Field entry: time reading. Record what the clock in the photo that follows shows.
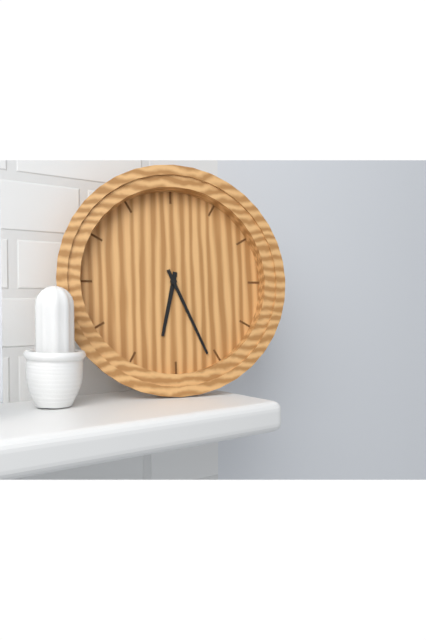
6:26
